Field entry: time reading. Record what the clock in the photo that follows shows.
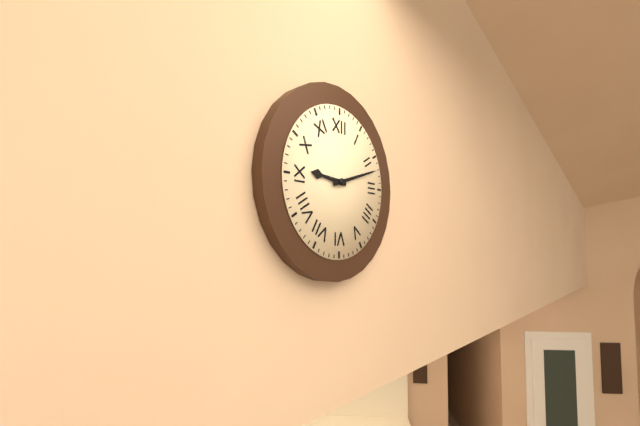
9:12
